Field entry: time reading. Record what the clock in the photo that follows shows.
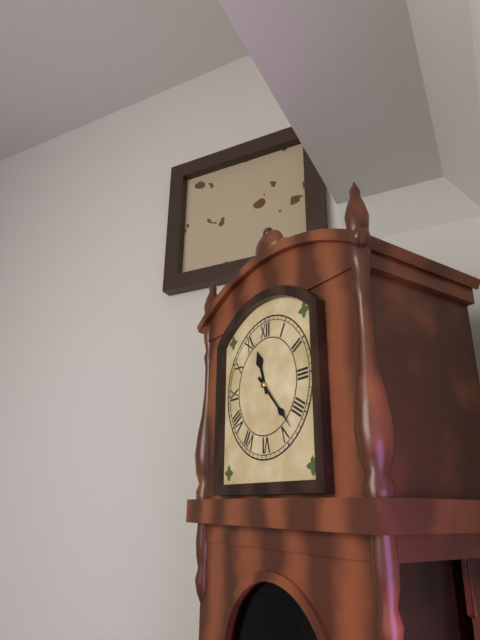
11:23
